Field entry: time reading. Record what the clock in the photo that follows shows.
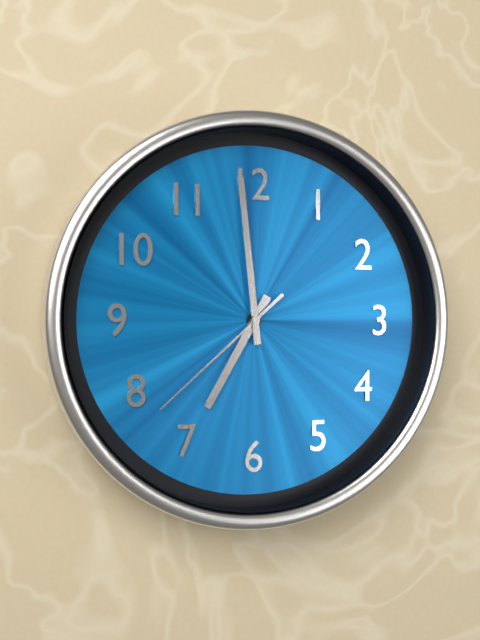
6:59:38
